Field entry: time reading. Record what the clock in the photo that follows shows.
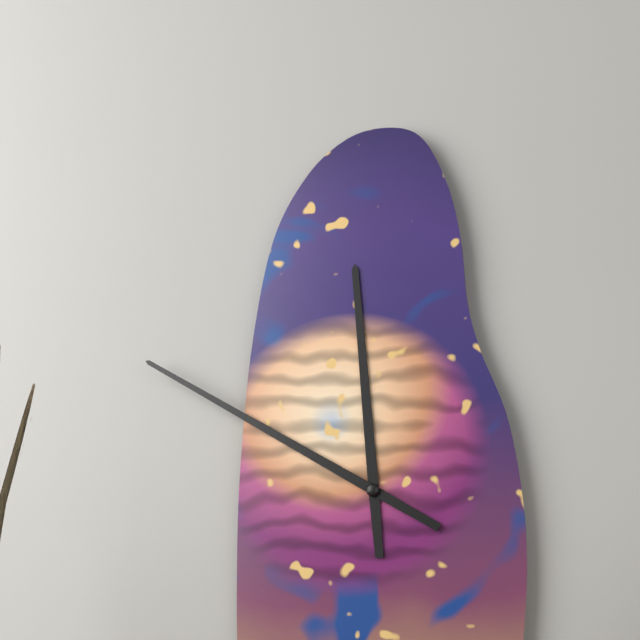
11:50
